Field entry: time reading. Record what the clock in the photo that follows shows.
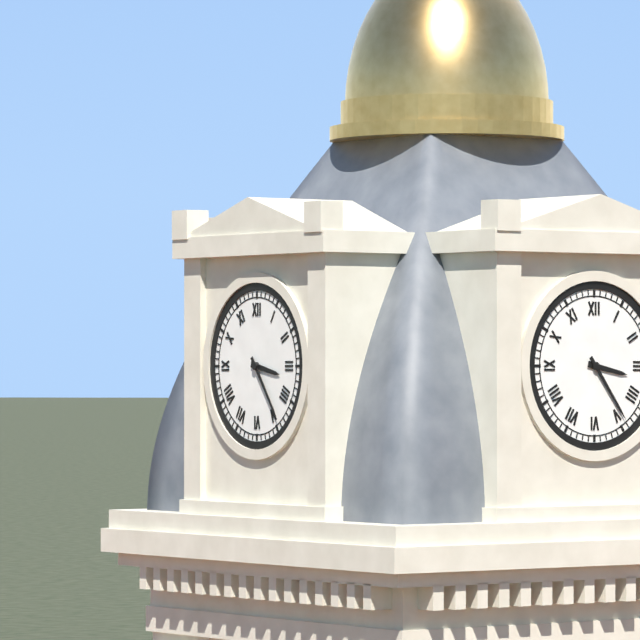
3:24
